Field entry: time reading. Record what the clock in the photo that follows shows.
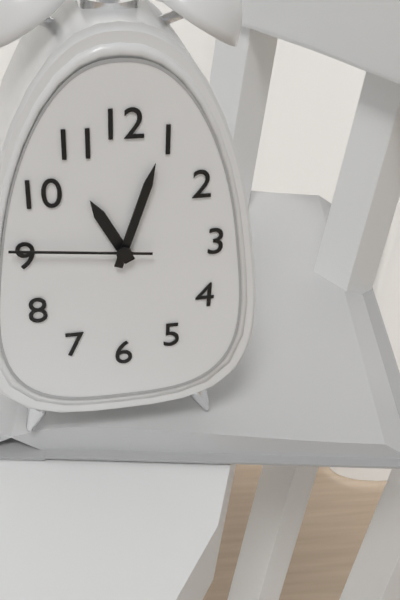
11:03:46
